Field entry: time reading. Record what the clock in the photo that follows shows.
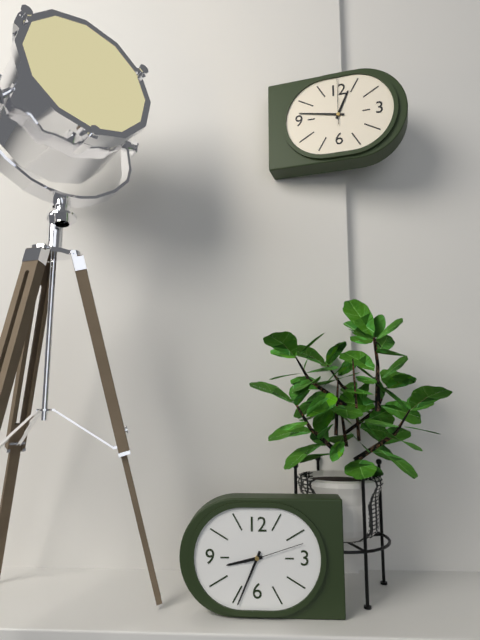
8:34:12
